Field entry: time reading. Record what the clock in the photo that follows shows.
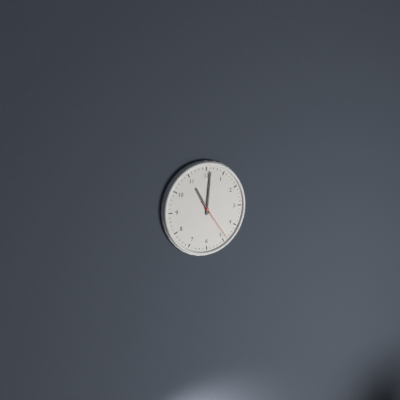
11:01
